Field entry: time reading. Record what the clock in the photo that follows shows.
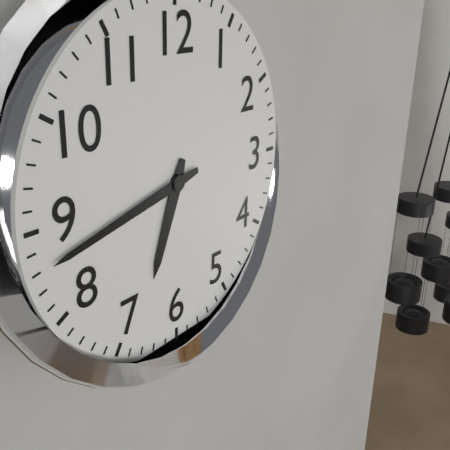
6:43
